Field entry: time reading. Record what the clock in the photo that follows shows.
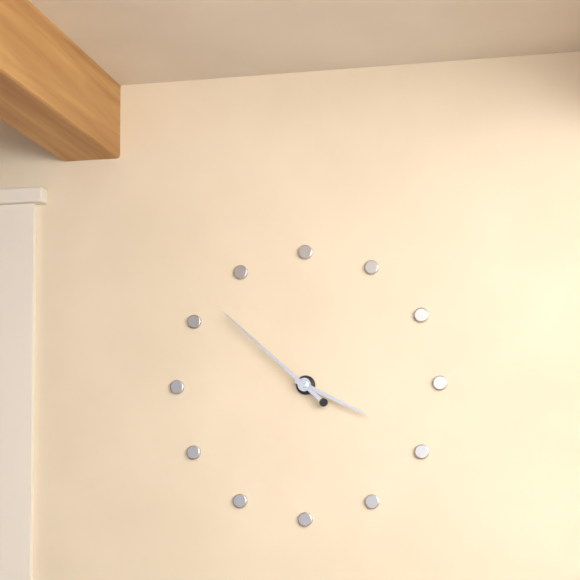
3:52
